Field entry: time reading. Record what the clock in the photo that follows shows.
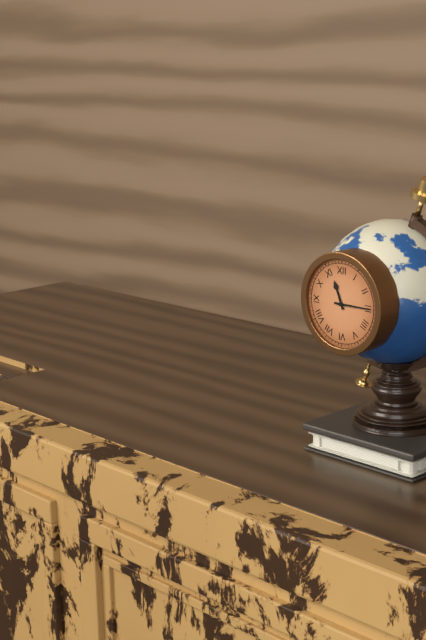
11:15
